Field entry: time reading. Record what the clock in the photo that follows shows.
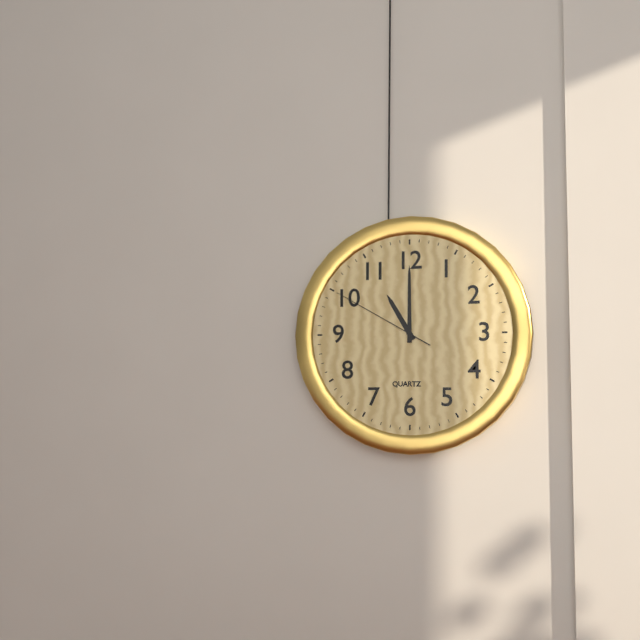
11:00:50
